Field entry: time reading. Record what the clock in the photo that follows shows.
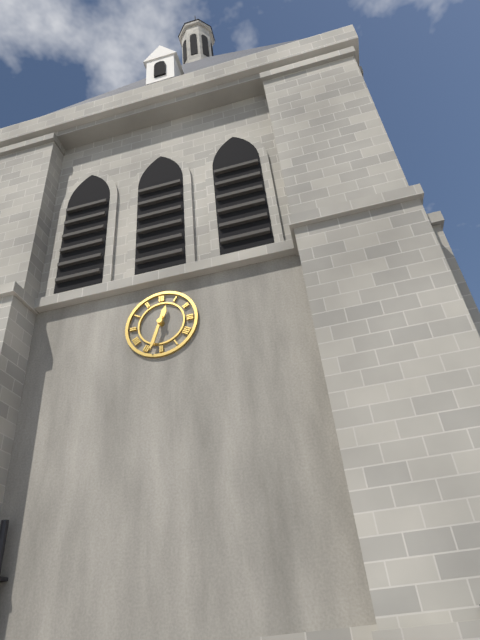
12:33
